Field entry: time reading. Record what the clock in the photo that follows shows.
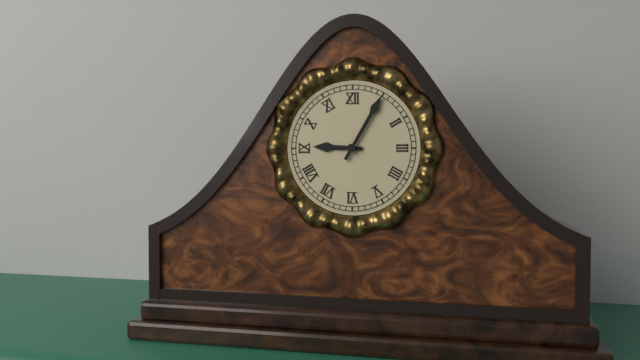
9:05
